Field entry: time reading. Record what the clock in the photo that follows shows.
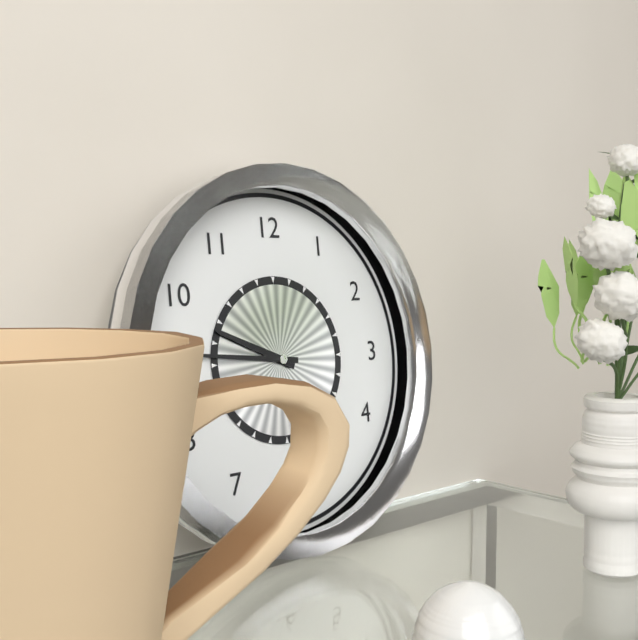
9:46
